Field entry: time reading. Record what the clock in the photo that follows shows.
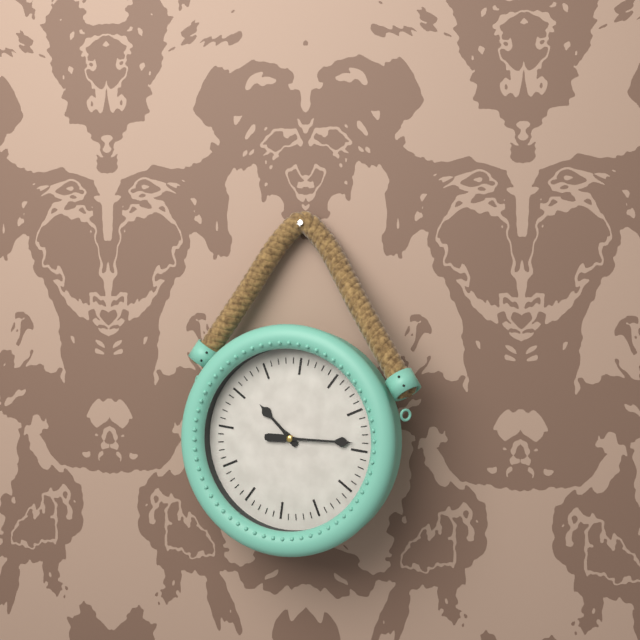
10:14
